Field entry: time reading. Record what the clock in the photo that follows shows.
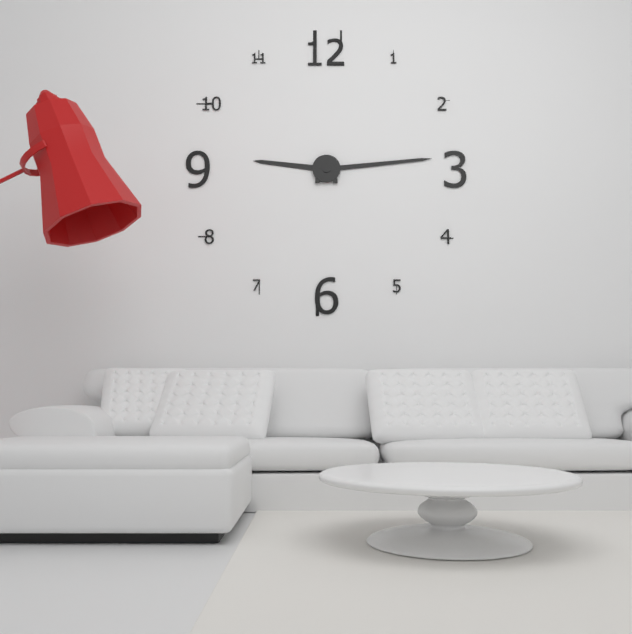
9:14
